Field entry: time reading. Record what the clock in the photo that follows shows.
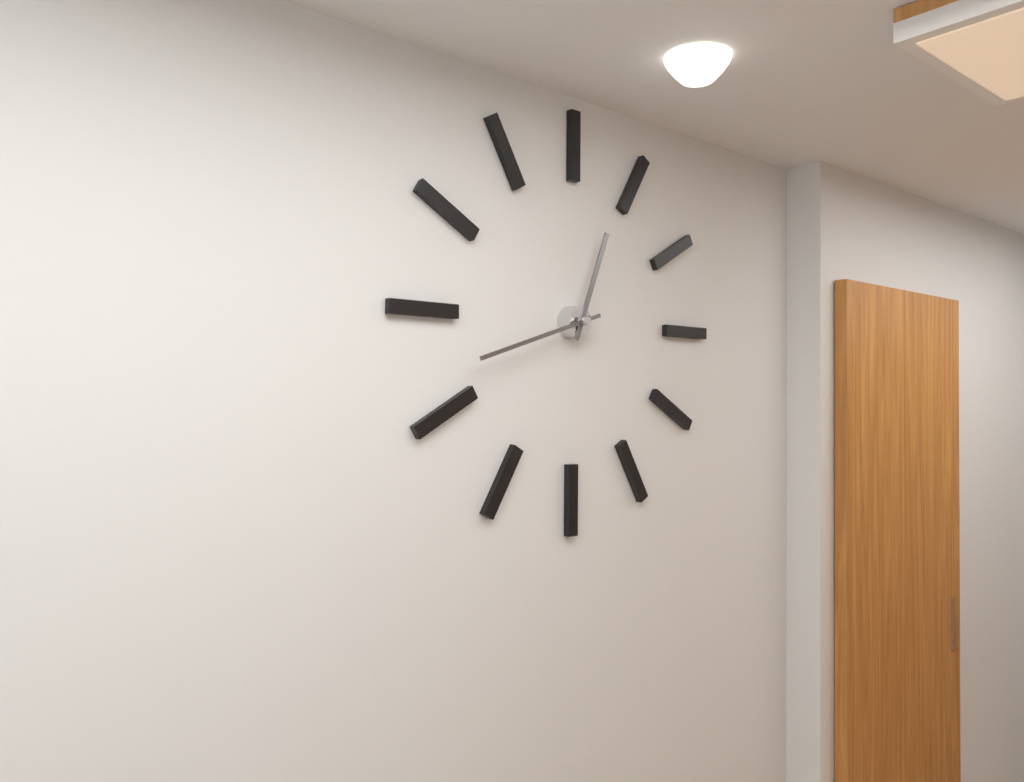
12:42
